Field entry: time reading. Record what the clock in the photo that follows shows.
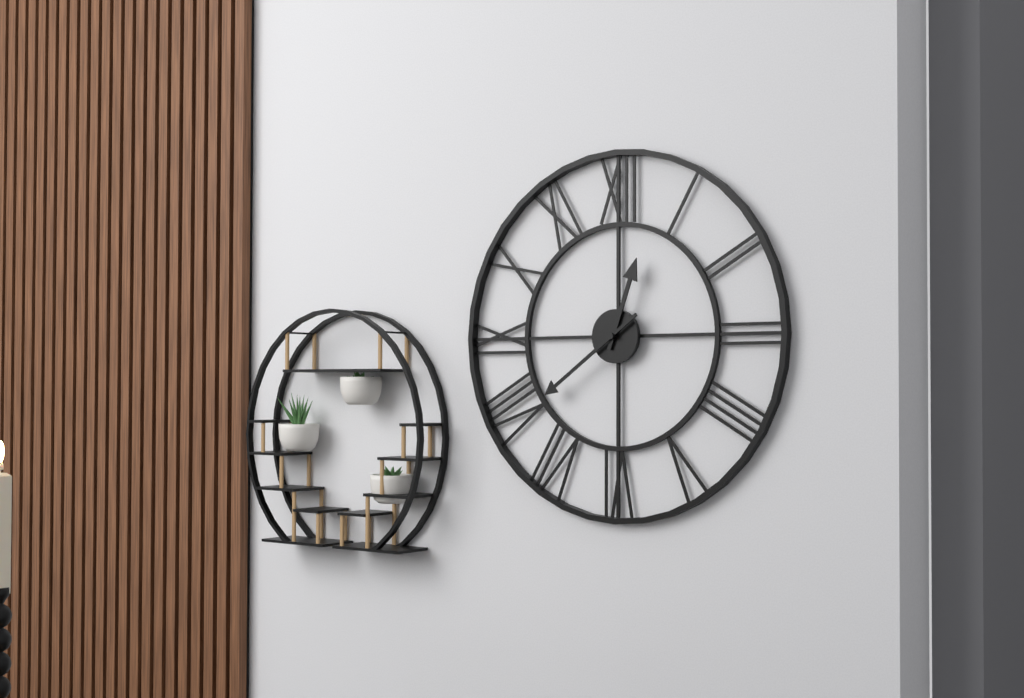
12:39
